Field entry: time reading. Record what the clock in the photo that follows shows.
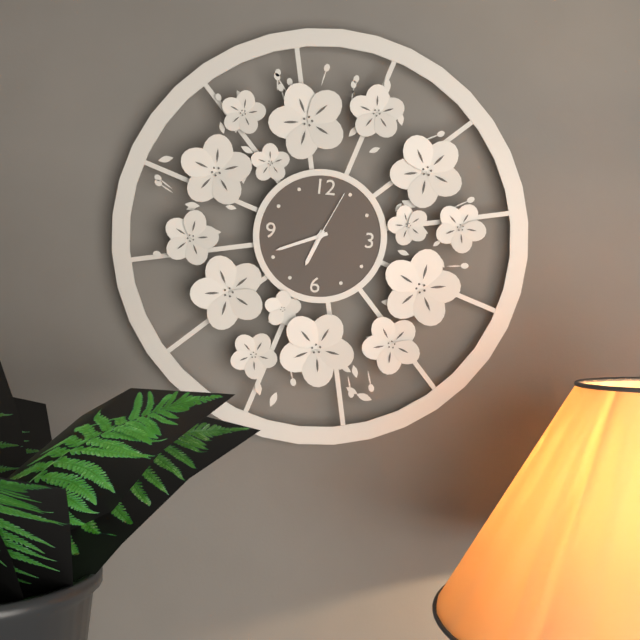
6:41:04
